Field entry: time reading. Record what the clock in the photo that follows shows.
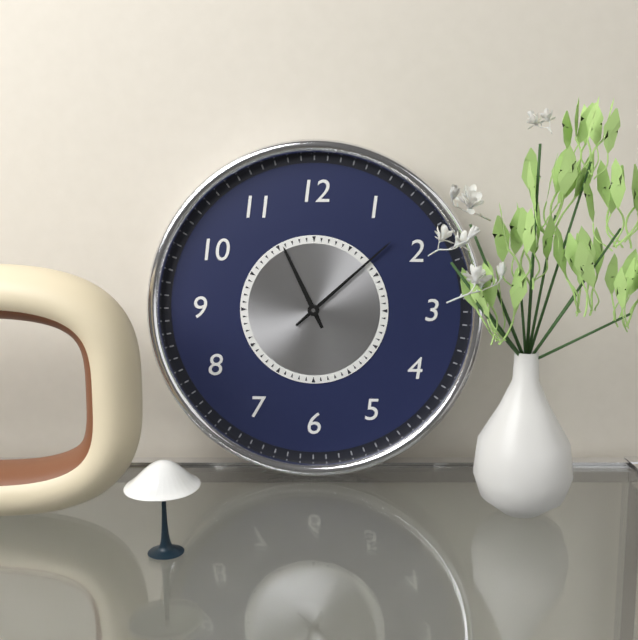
11:08
